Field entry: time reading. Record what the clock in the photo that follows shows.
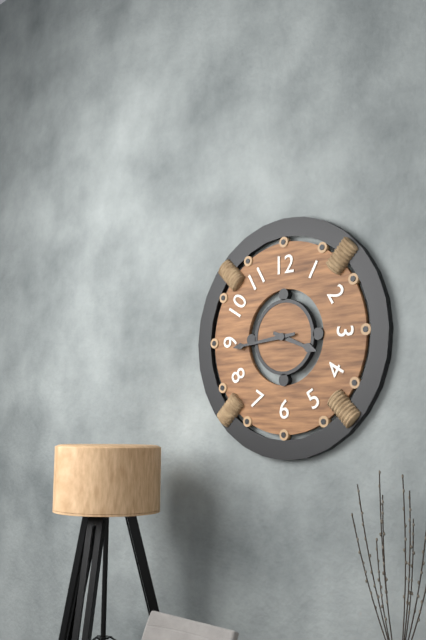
3:44
